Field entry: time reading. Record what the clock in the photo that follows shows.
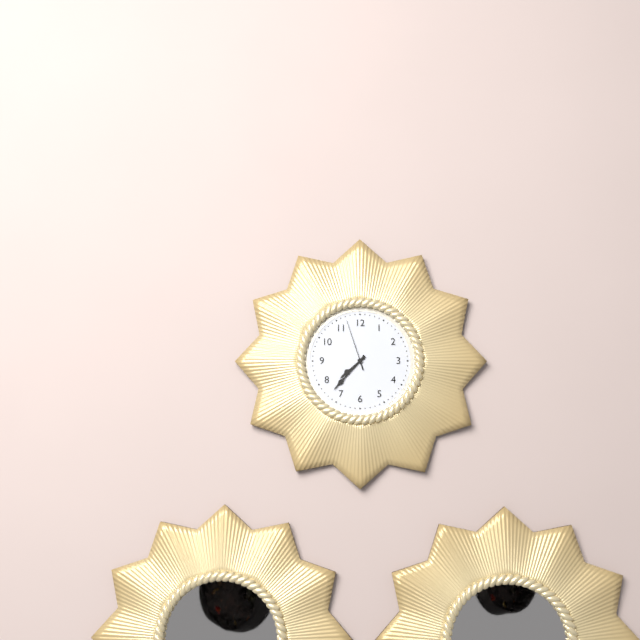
7:37:57
